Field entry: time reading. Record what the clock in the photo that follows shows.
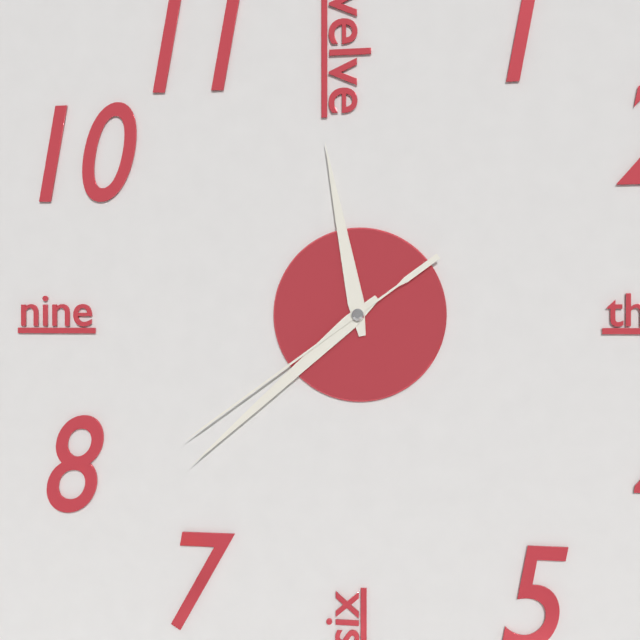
11:38:39
